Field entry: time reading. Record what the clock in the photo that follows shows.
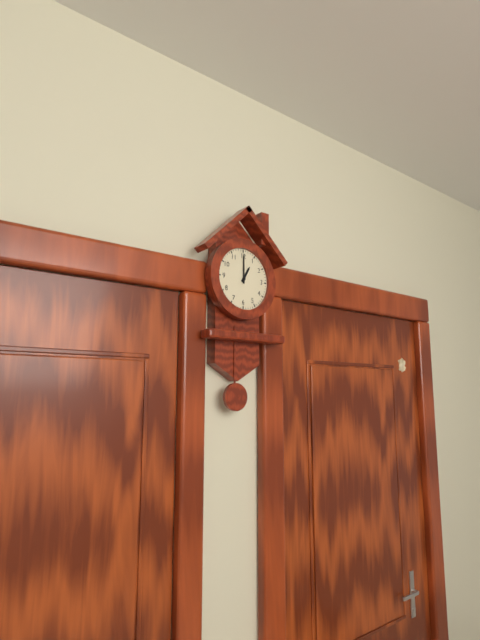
1:00
